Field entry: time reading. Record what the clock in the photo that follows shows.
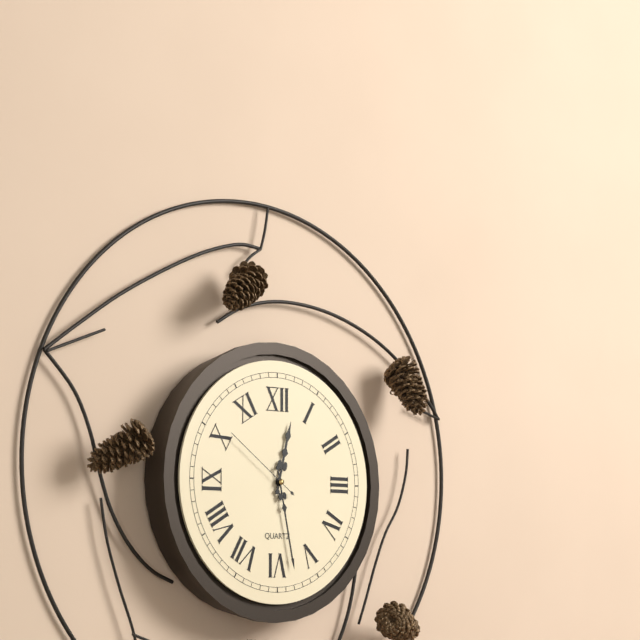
12:28:51
